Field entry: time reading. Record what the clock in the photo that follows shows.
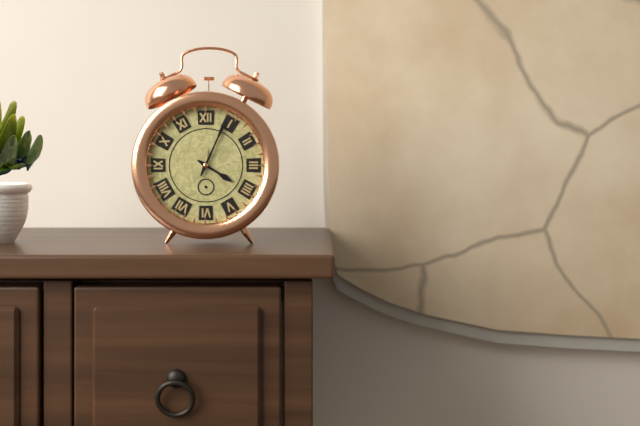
4:04
